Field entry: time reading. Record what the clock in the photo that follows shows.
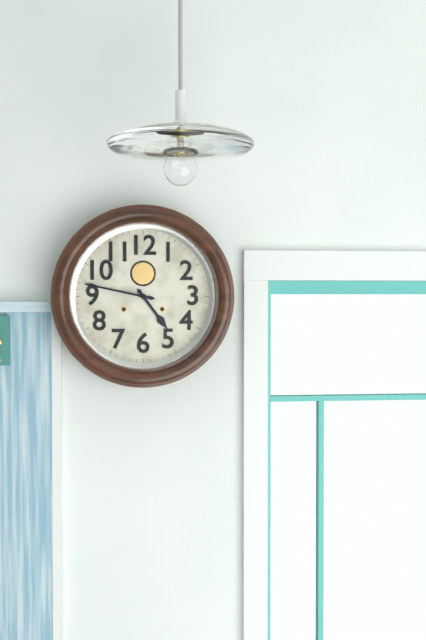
4:47
